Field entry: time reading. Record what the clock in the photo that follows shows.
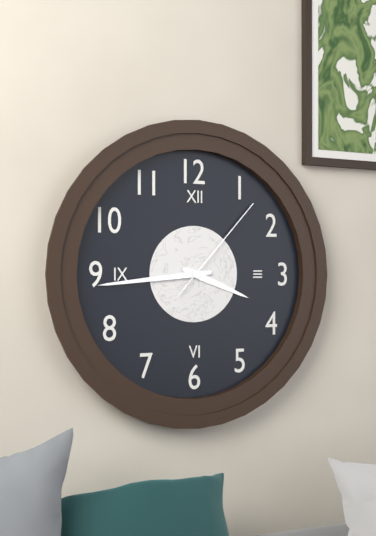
3:44:07
